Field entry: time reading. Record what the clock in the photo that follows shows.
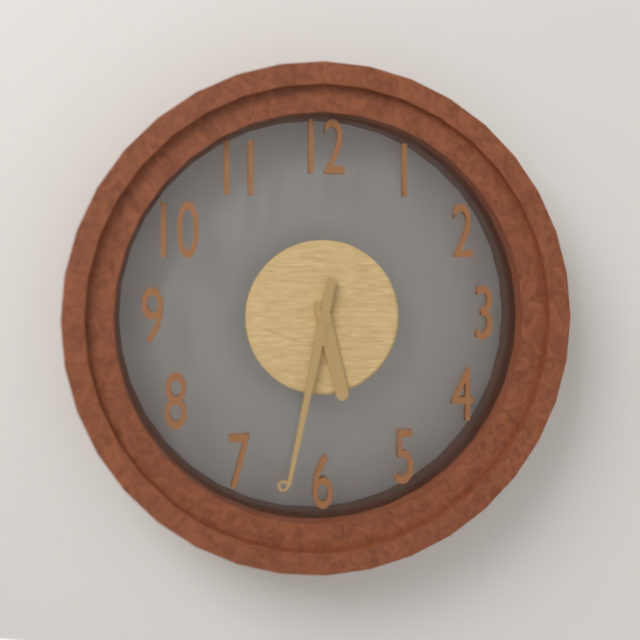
5:32
